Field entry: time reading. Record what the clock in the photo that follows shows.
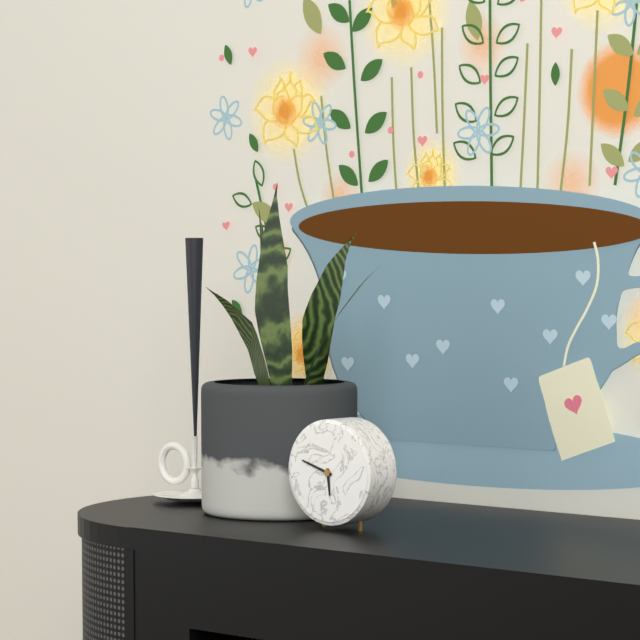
5:48
